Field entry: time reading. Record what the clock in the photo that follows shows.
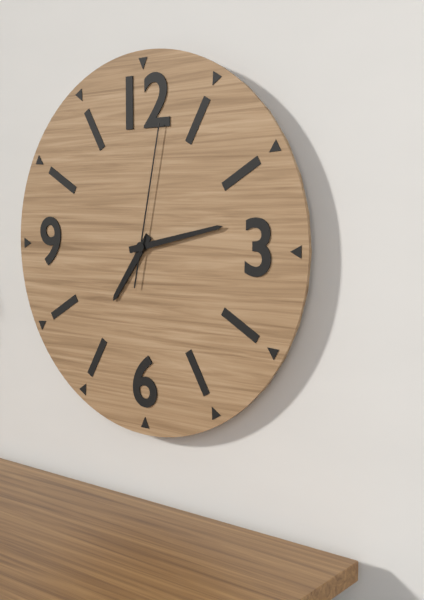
7:13:02
